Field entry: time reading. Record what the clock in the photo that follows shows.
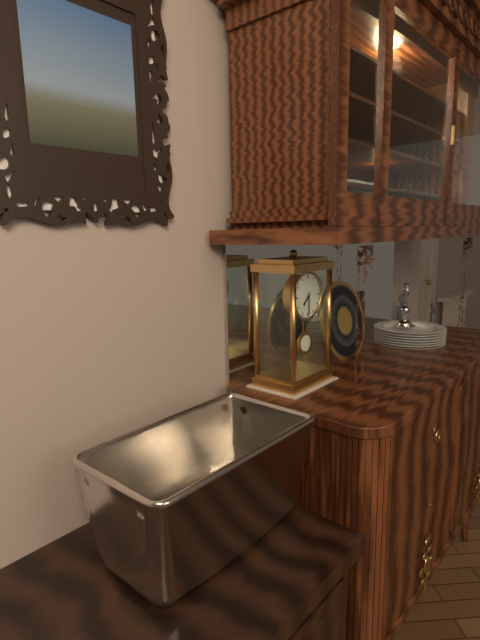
7:30
